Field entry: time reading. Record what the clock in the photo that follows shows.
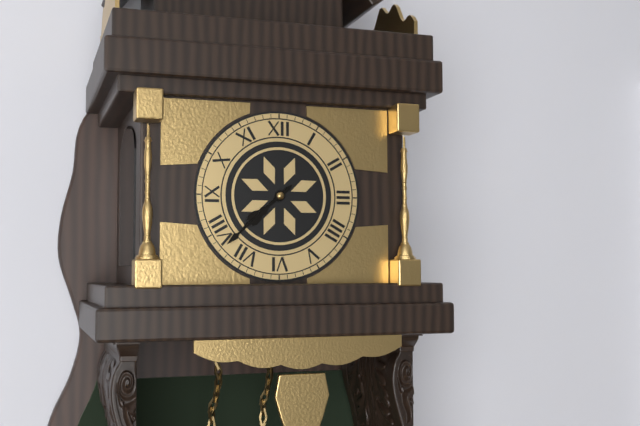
7:38
